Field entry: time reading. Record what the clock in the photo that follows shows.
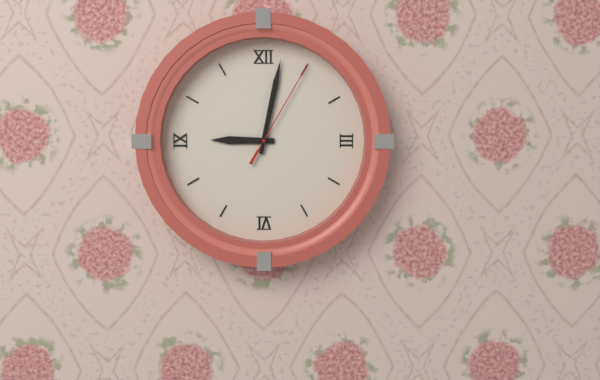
9:02:05
